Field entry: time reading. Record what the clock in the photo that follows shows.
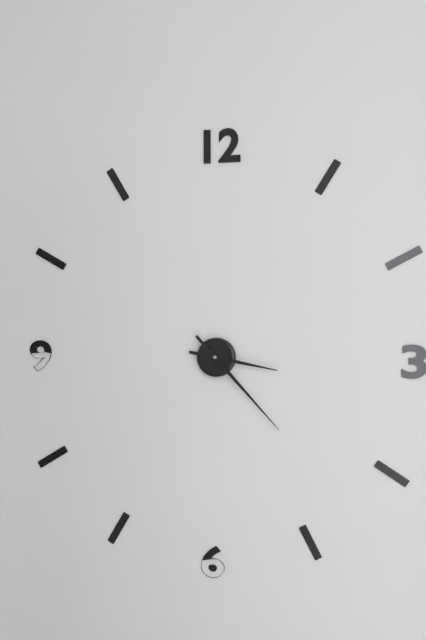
3:23
